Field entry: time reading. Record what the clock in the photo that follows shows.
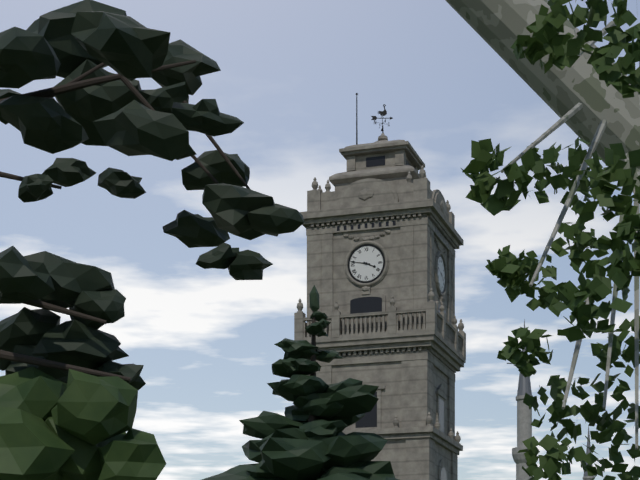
3:47
